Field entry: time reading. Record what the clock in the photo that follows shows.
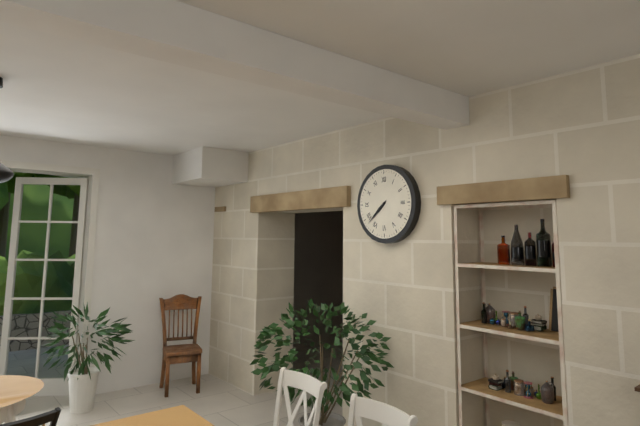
7:38
